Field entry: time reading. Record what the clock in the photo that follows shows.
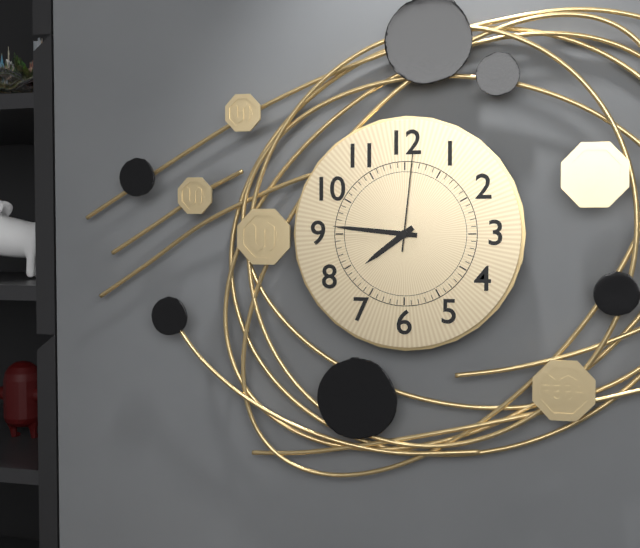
7:46:01
